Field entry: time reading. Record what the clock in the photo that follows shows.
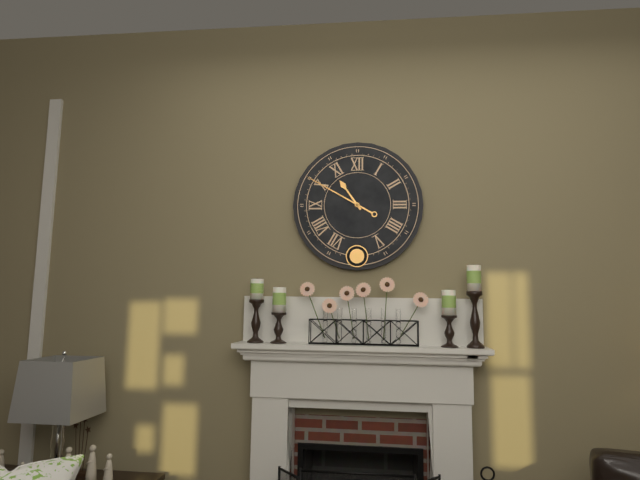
10:50
